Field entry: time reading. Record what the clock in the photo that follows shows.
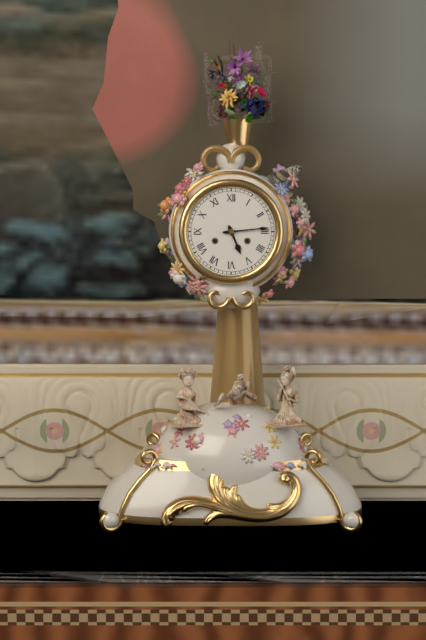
5:14
